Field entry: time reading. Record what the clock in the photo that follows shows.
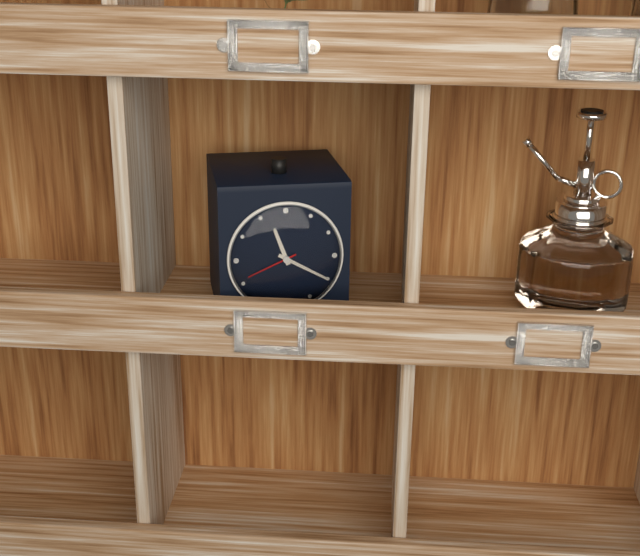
11:20:41
